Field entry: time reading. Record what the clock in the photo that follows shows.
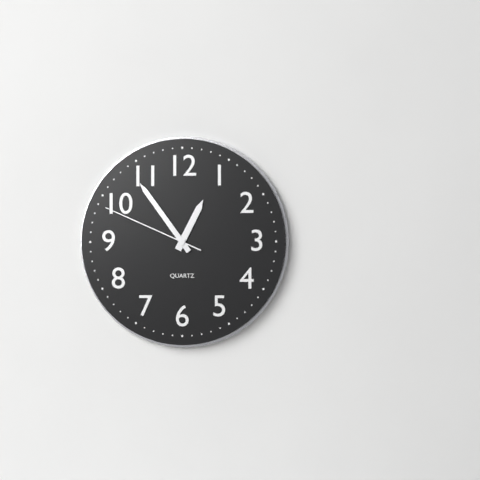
12:54:49
